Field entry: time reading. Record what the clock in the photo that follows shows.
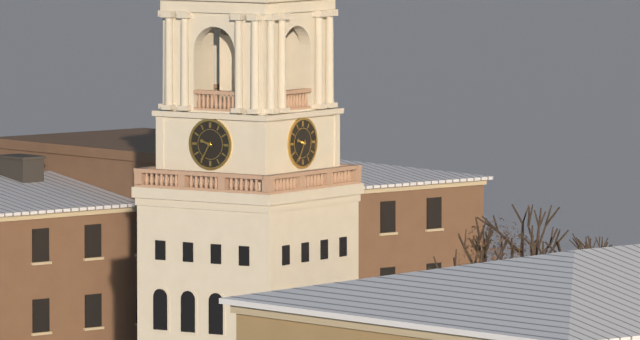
9:35
